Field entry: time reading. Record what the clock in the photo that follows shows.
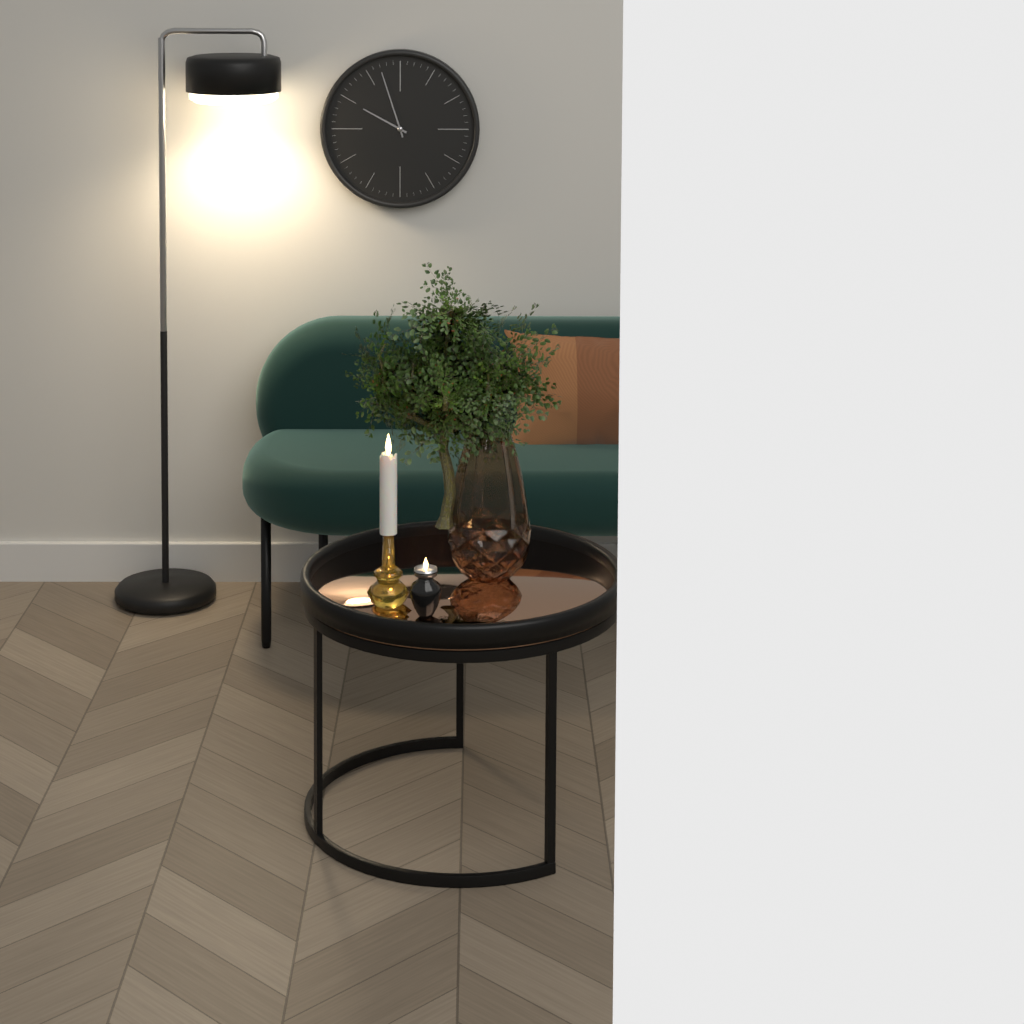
9:57
